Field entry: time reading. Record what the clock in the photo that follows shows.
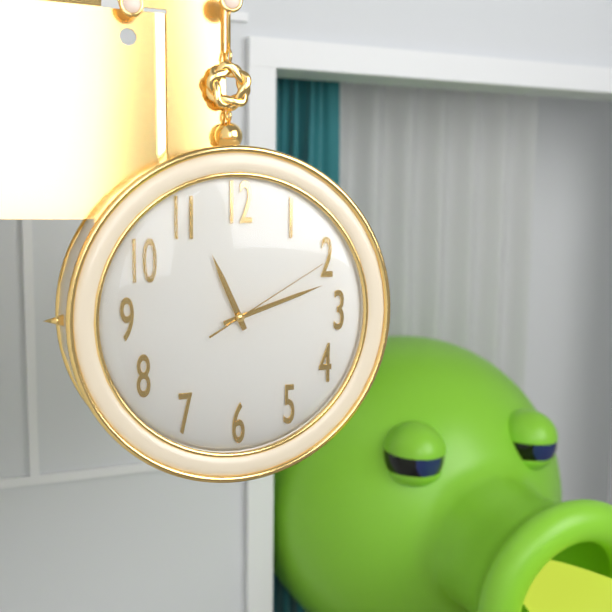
11:12:10
